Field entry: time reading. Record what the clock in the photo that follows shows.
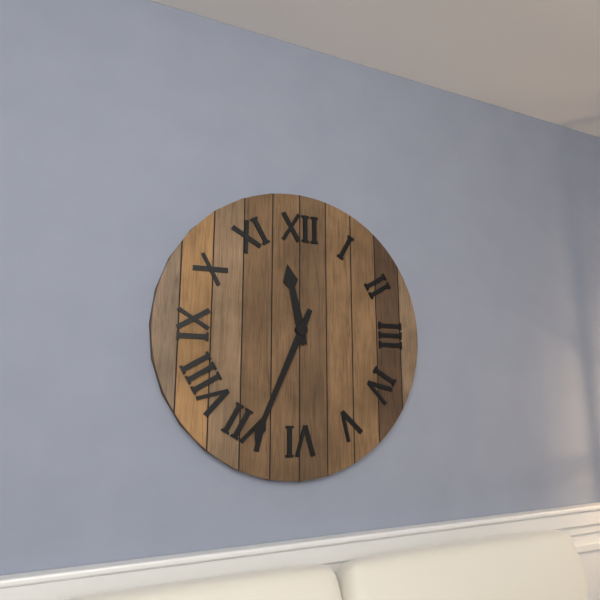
11:34
